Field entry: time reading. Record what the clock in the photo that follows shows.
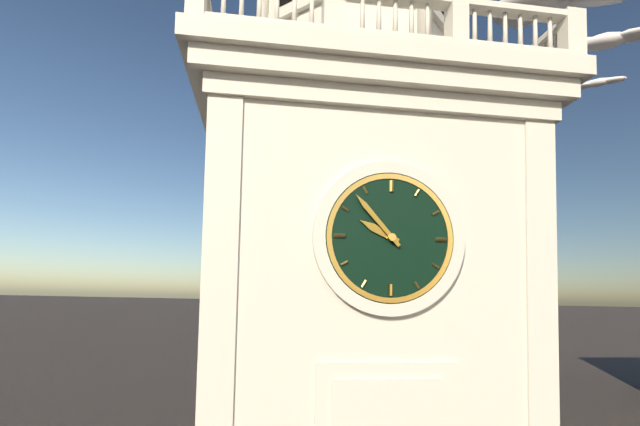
9:53
